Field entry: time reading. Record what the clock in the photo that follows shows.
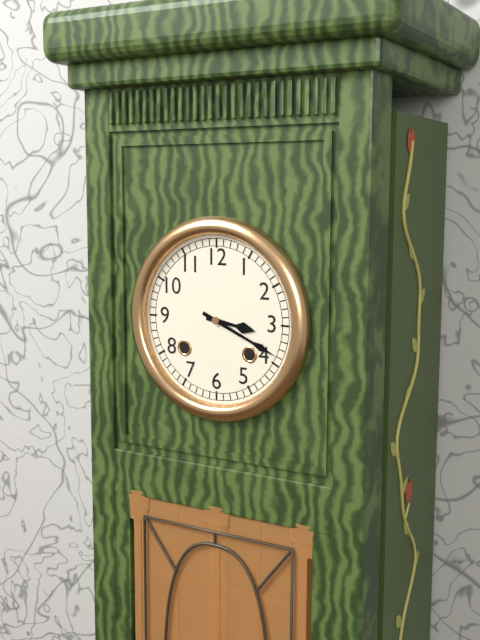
3:19
